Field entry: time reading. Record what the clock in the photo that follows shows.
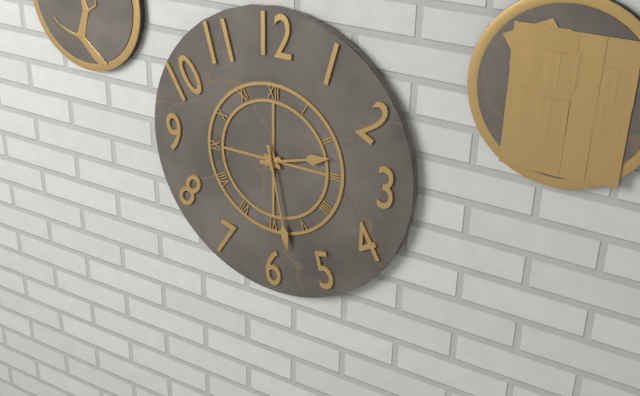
2:28
